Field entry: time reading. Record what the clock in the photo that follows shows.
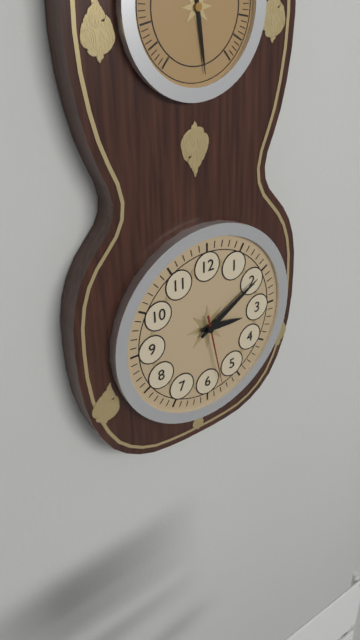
3:10:28
